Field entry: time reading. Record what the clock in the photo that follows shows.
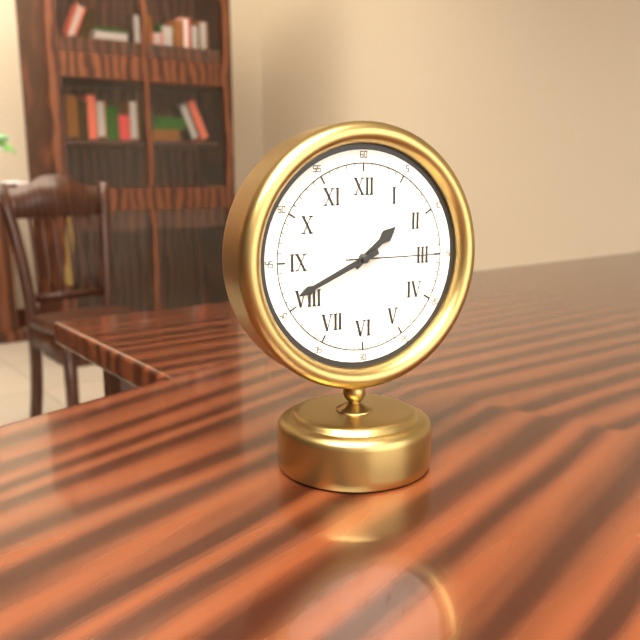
1:41:15
